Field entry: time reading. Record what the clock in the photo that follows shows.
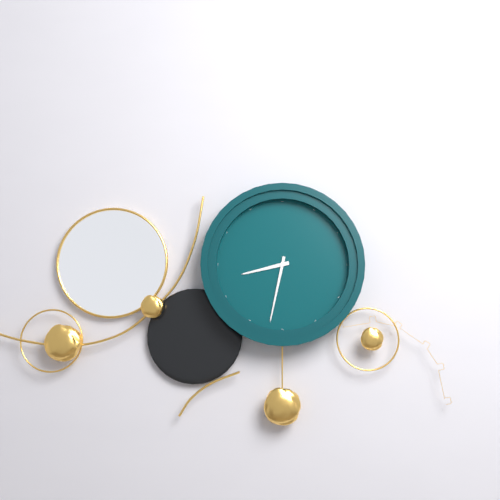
8:32
